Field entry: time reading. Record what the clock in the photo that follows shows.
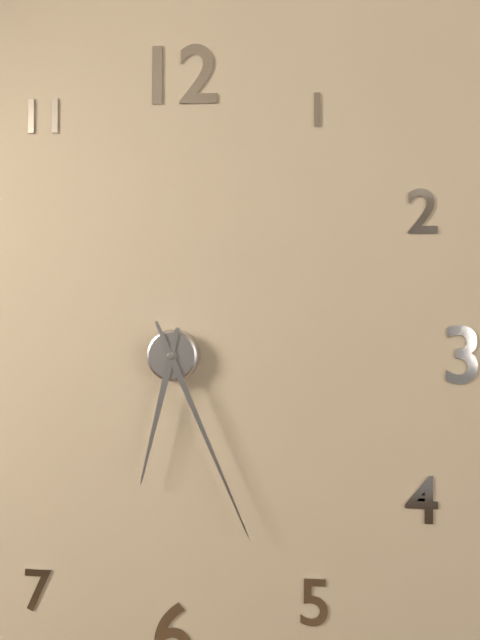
6:26
